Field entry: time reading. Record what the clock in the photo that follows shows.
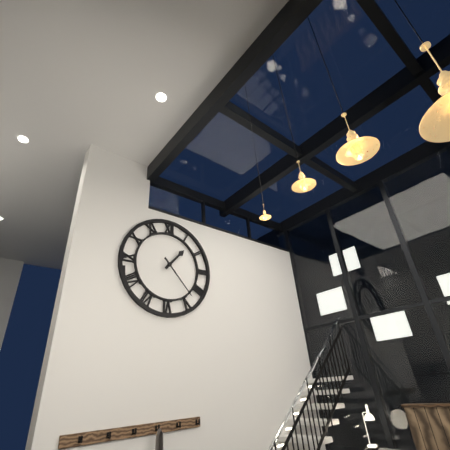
1:23
